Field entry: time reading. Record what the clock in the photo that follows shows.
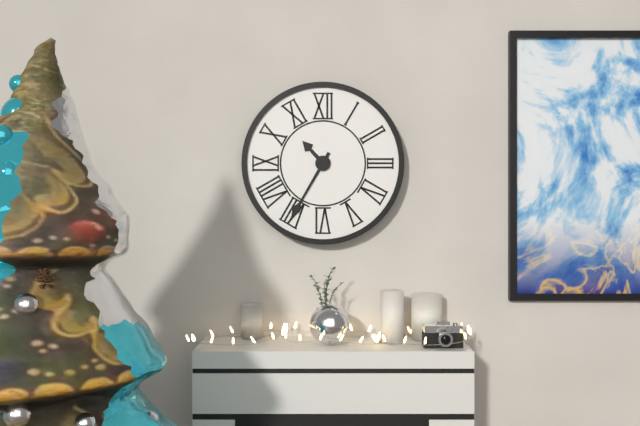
10:35
